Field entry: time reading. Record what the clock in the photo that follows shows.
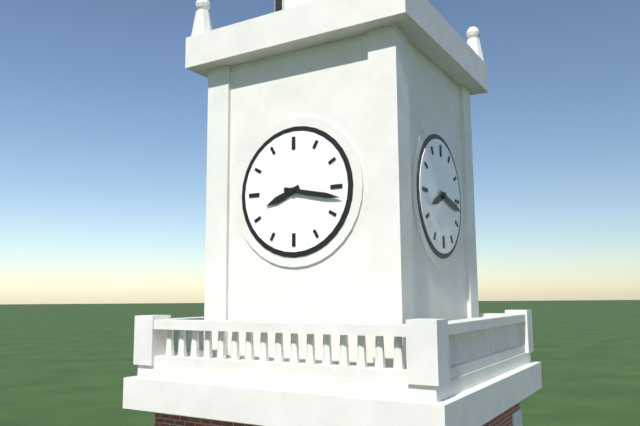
8:17
